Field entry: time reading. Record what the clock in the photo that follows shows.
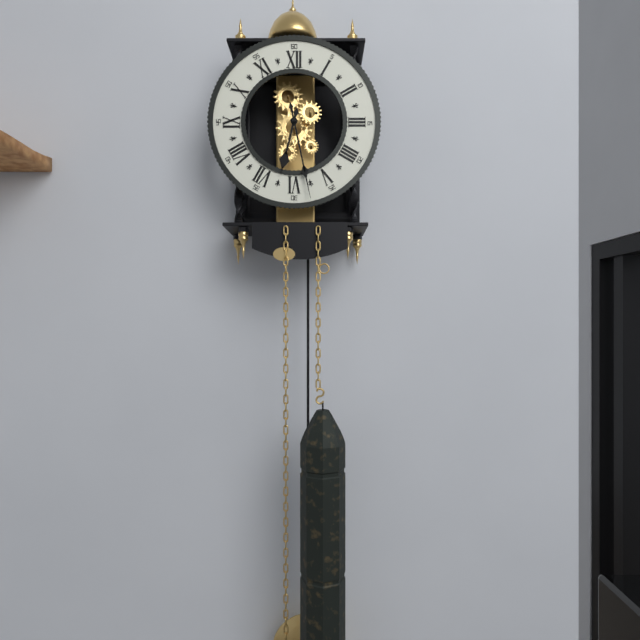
6:28
